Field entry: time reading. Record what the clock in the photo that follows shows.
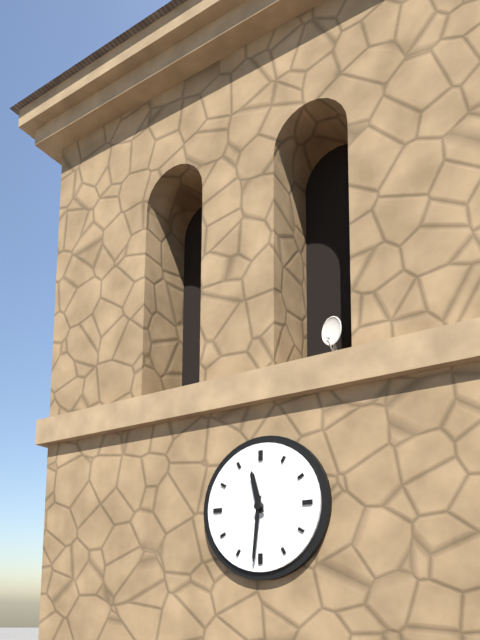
11:31
